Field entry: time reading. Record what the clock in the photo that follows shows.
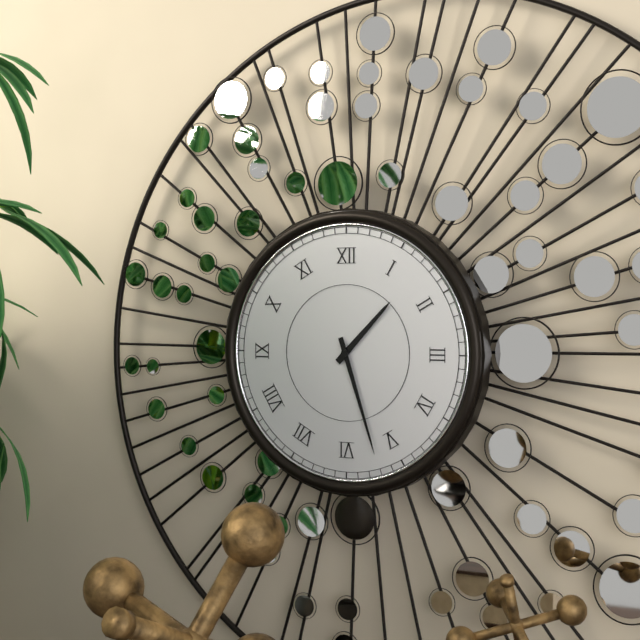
1:27
